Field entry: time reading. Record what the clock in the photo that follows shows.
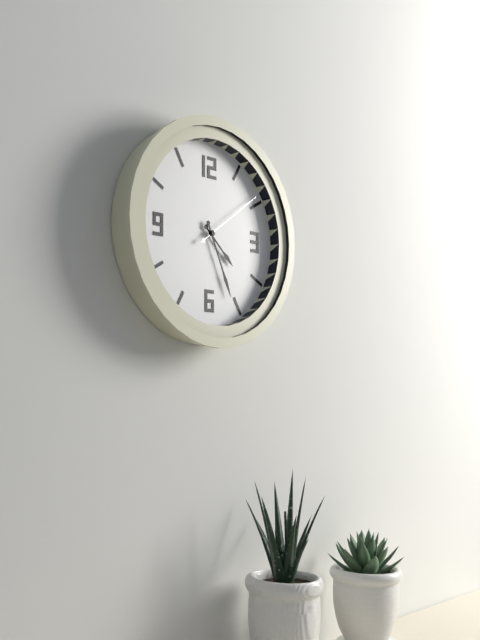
4:26:09
